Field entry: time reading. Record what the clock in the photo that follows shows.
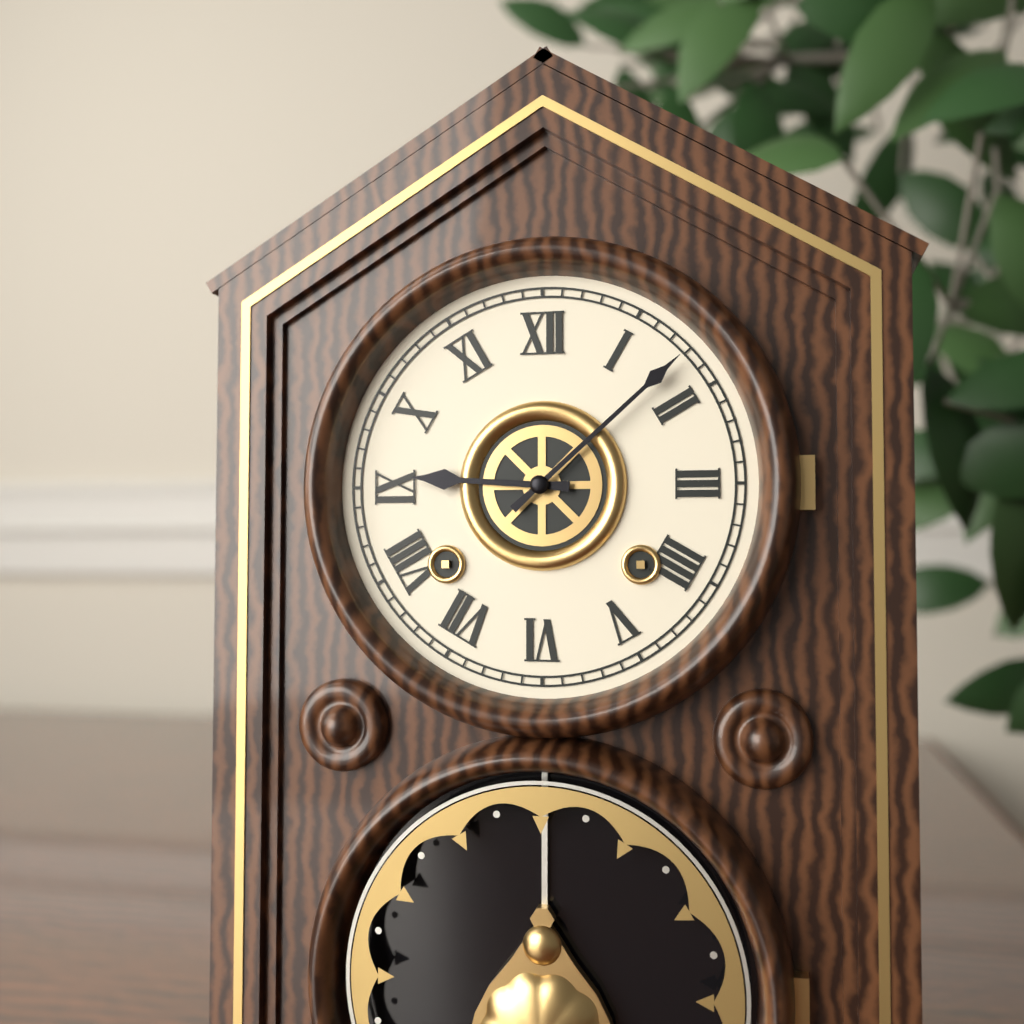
9:08
